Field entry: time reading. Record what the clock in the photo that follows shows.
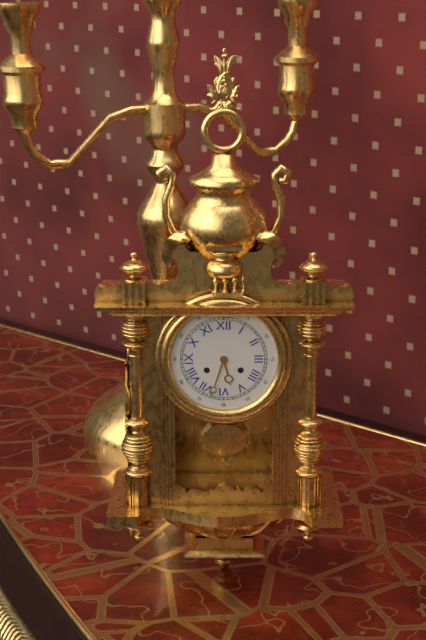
5:33
